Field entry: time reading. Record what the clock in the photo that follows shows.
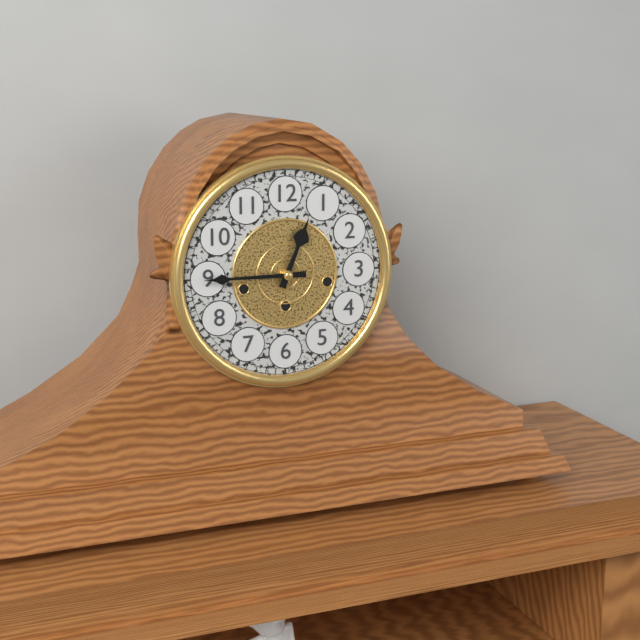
12:45
